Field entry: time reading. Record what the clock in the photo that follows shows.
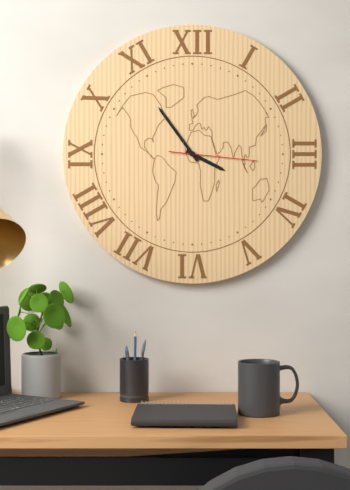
3:54:16
